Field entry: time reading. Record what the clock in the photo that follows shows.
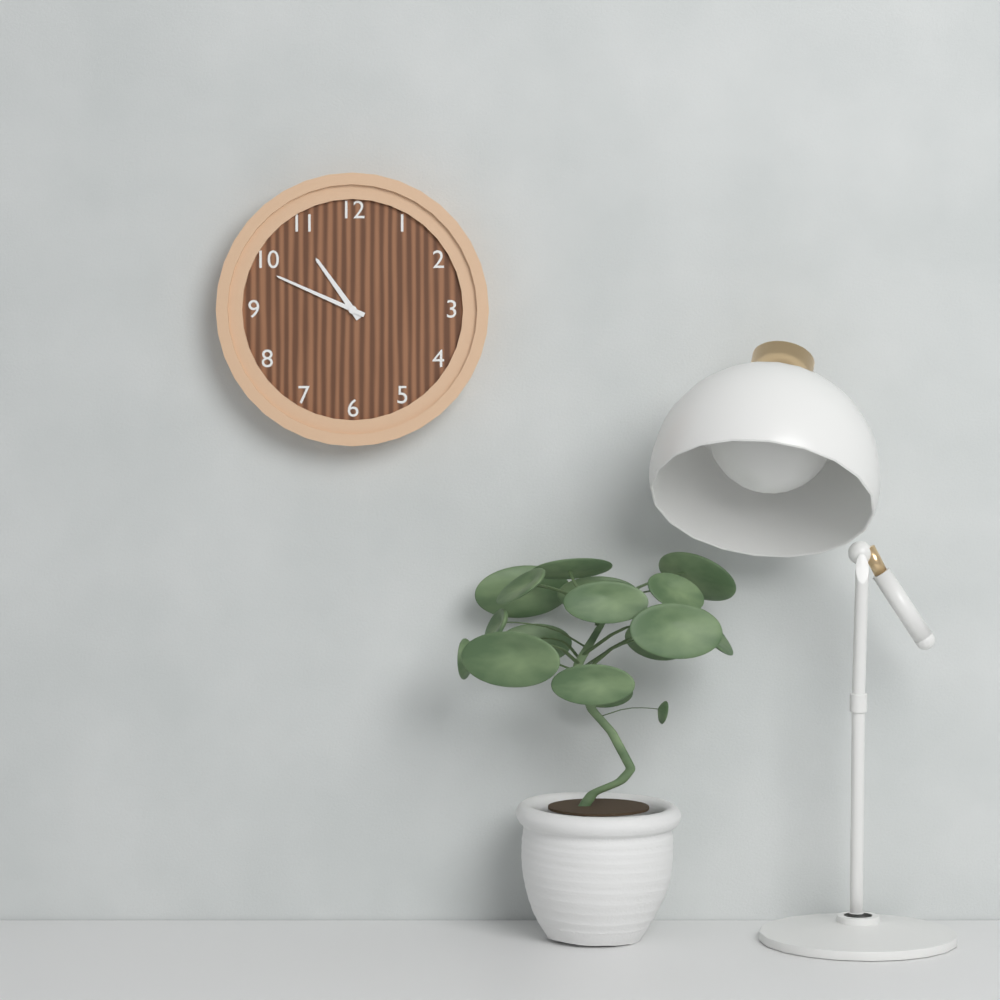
10:49
